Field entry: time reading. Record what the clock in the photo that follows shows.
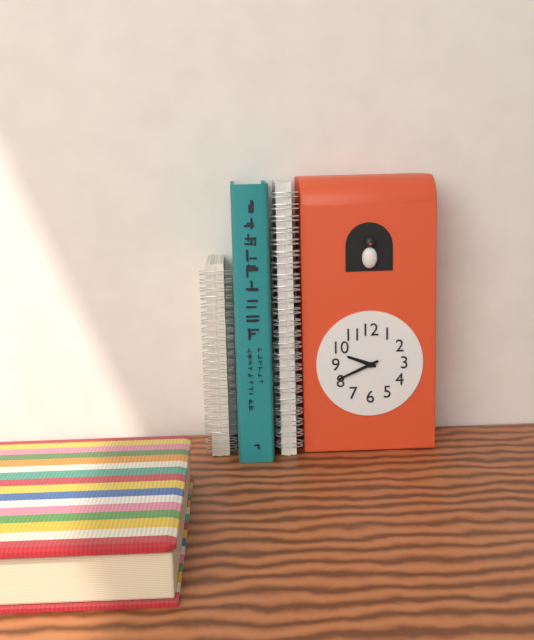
9:41
